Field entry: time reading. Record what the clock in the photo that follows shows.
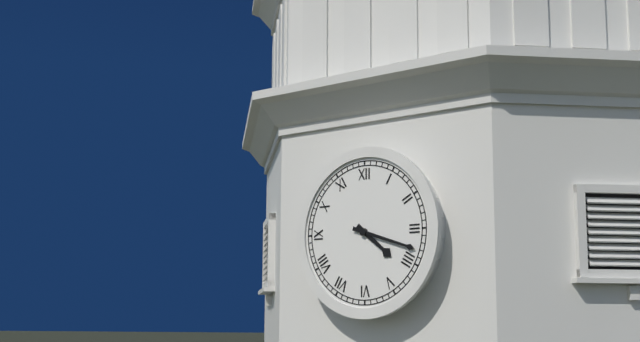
4:18
